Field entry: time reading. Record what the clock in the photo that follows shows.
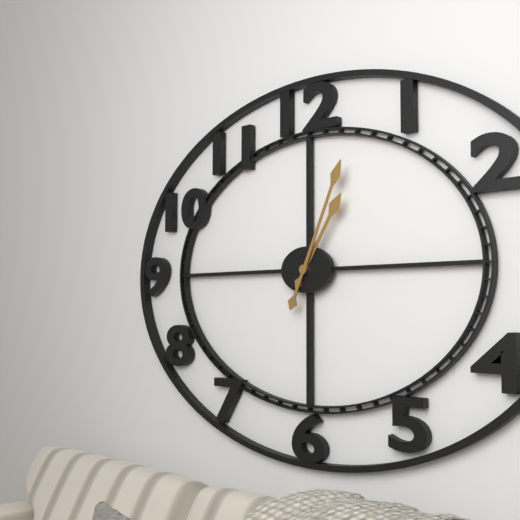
1:04
